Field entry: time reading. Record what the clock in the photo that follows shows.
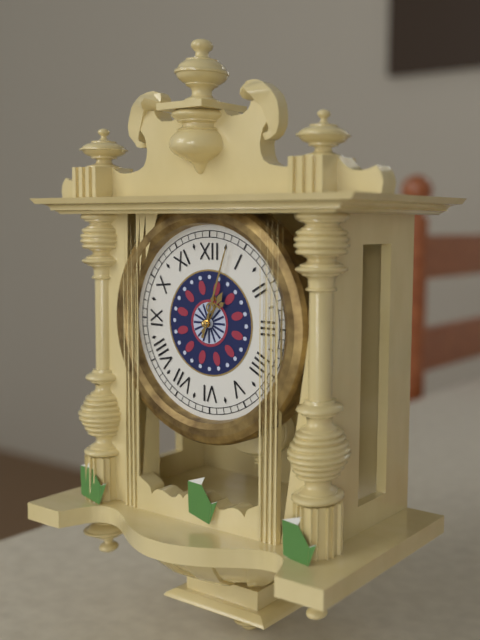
1:03
